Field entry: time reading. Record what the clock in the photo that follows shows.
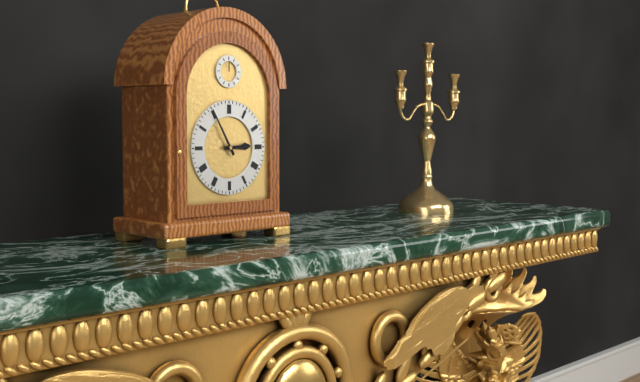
2:55
